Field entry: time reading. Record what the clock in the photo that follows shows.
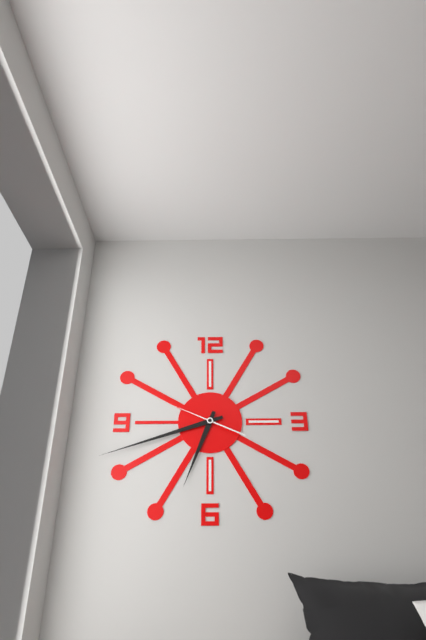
6:42:49
